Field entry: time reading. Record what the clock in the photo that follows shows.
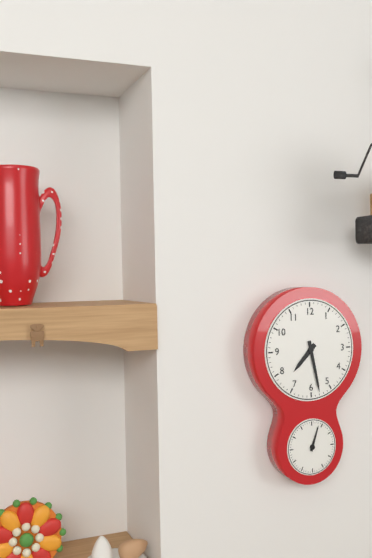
7:28
